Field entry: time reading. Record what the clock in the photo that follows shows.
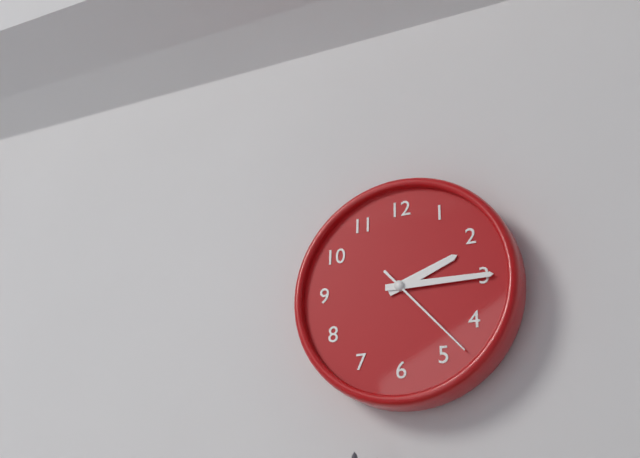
2:15:23
